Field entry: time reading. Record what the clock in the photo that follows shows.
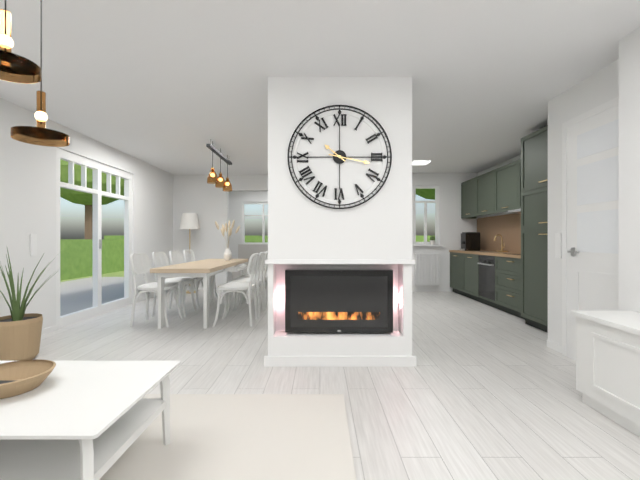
10:17
